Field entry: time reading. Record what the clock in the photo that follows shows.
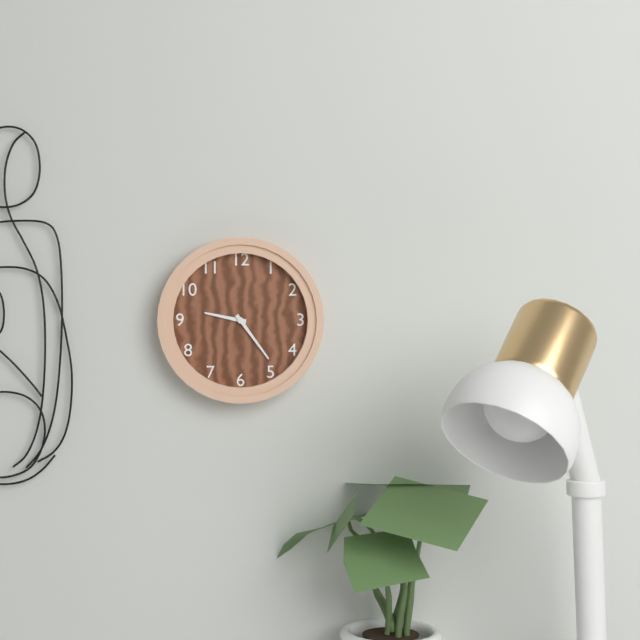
9:24
